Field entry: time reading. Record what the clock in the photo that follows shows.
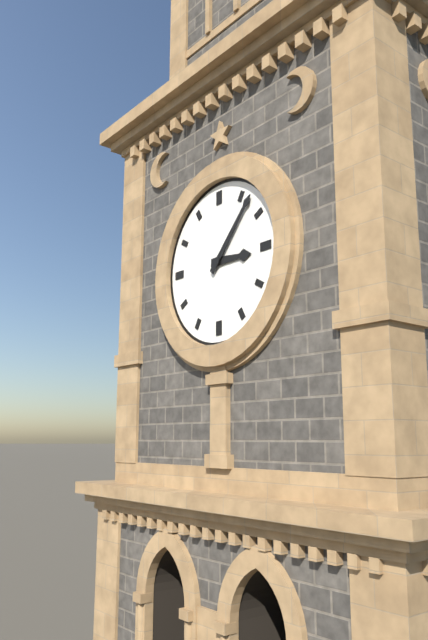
3:07
